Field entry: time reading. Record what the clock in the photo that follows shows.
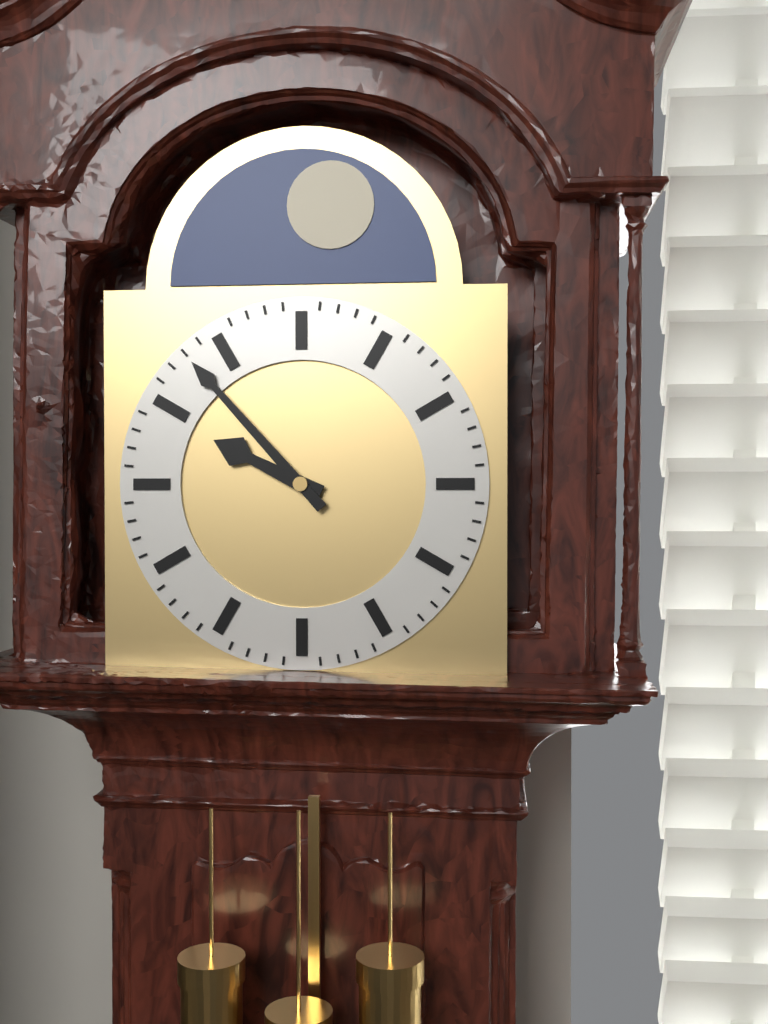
9:53
